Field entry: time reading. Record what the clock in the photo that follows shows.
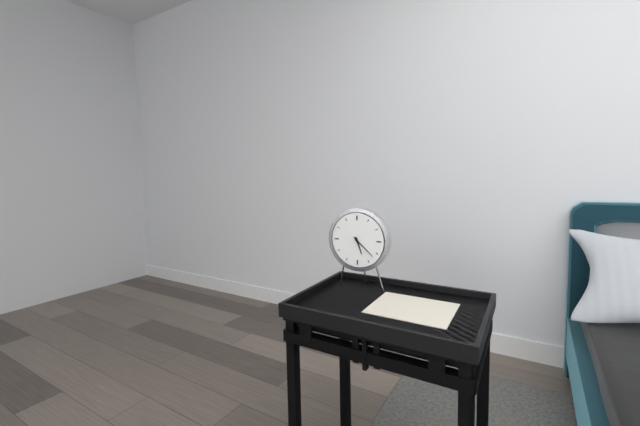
5:22
